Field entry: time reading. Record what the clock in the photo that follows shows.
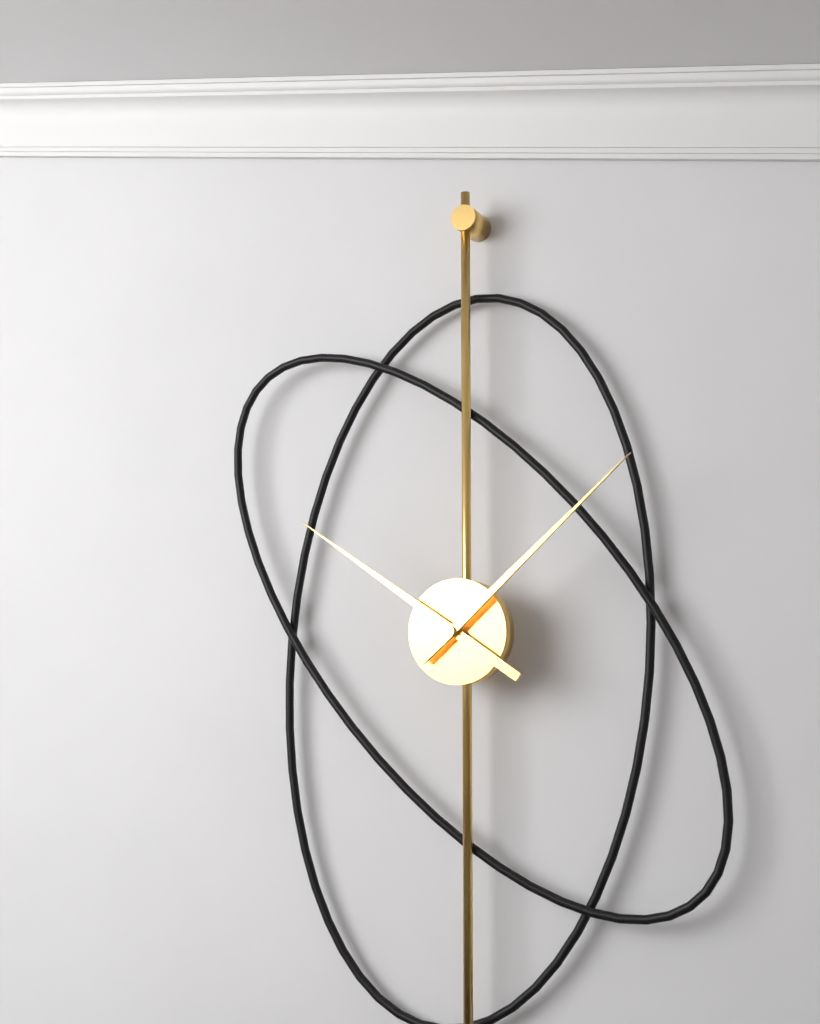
10:08
